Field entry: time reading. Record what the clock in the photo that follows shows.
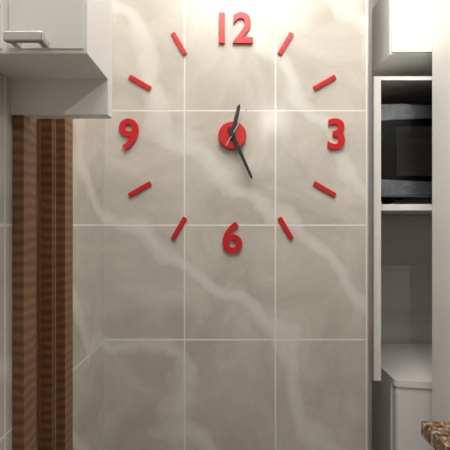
12:26:05
